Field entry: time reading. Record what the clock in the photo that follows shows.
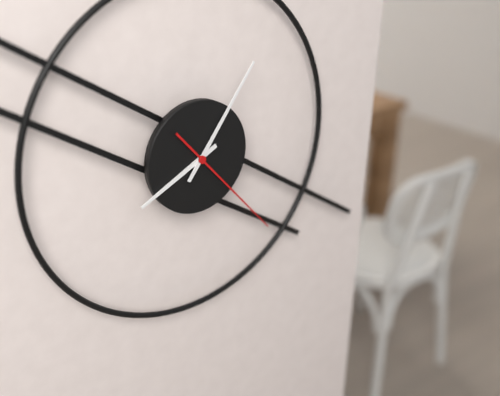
8:06:23
